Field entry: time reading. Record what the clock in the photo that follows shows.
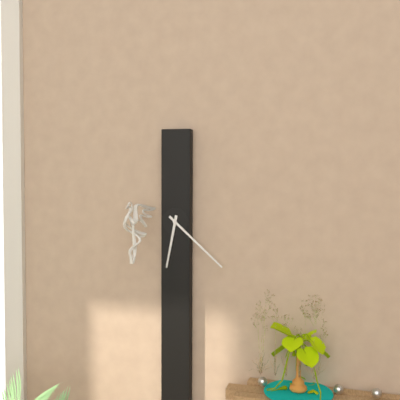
6:22
